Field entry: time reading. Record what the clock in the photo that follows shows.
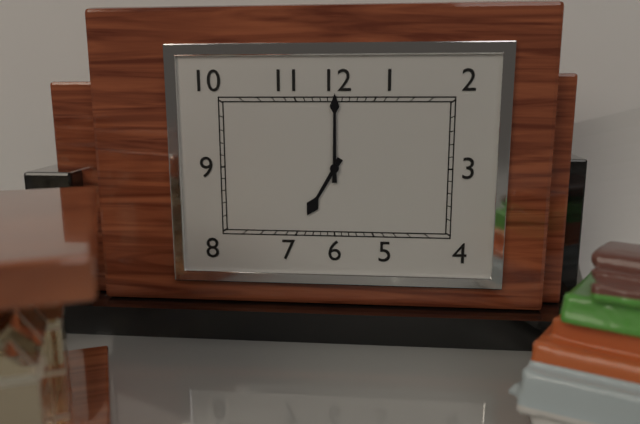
7:00
